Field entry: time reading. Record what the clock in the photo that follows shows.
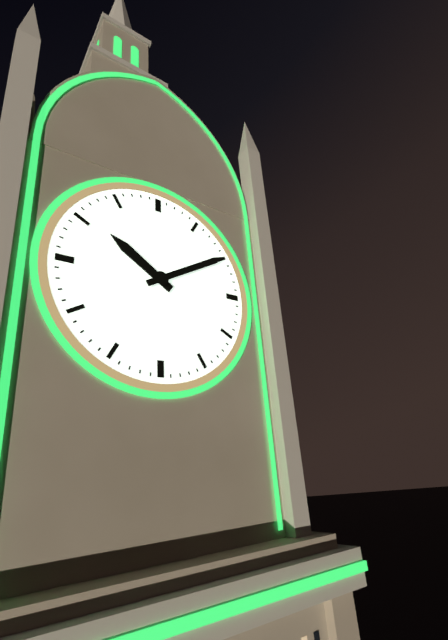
10:10
